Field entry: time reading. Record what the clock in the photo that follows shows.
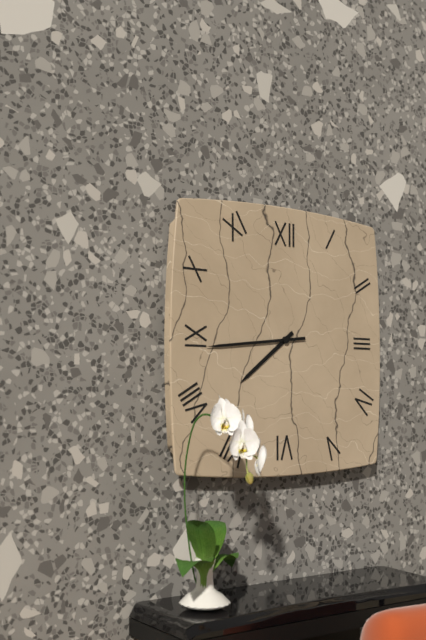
7:44
